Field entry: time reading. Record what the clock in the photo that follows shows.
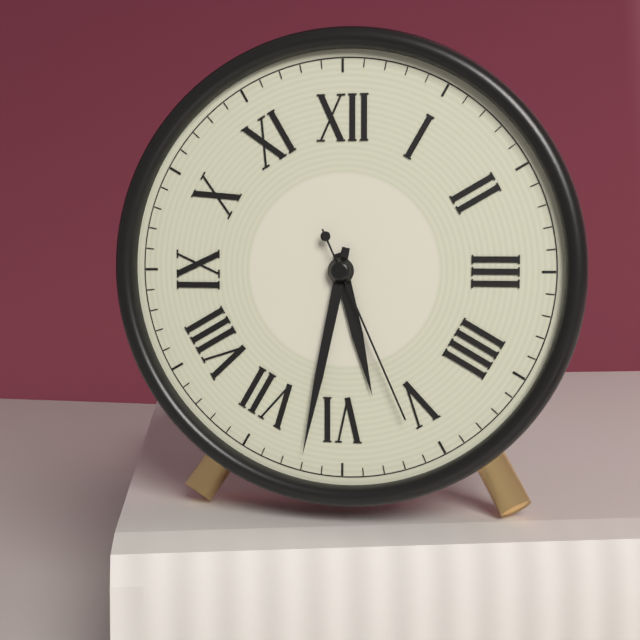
5:32:26
